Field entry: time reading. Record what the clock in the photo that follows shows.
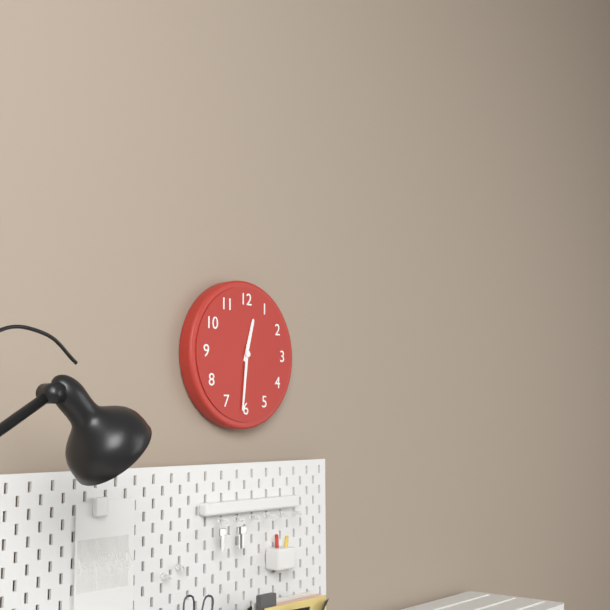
12:31
